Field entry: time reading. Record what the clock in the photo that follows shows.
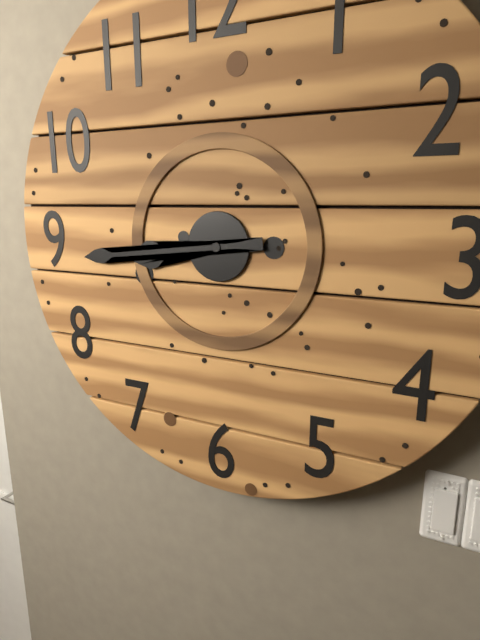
8:44
